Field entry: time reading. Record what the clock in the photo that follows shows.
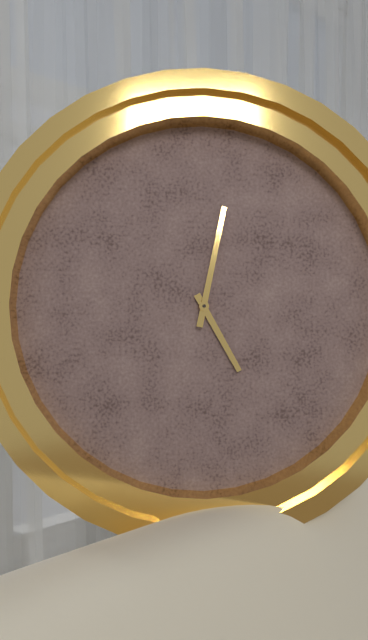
5:02
